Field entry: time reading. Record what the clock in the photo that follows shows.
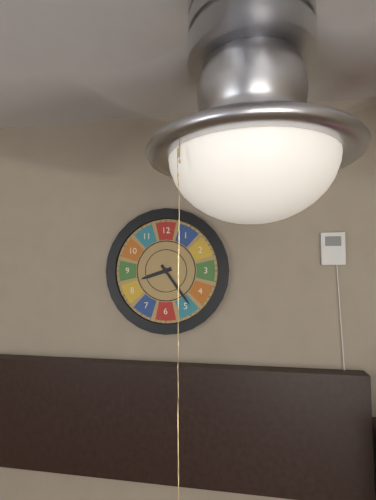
8:24
